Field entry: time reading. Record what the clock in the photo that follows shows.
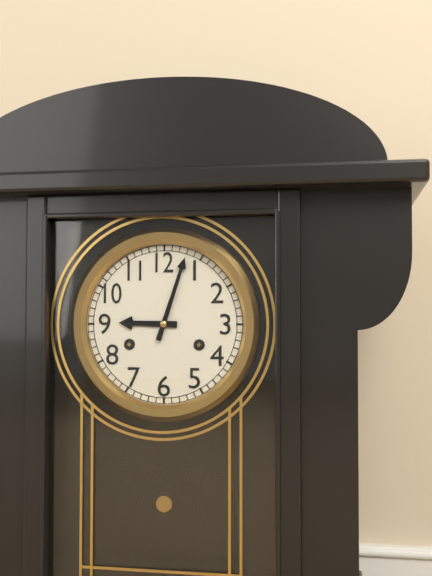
9:03
